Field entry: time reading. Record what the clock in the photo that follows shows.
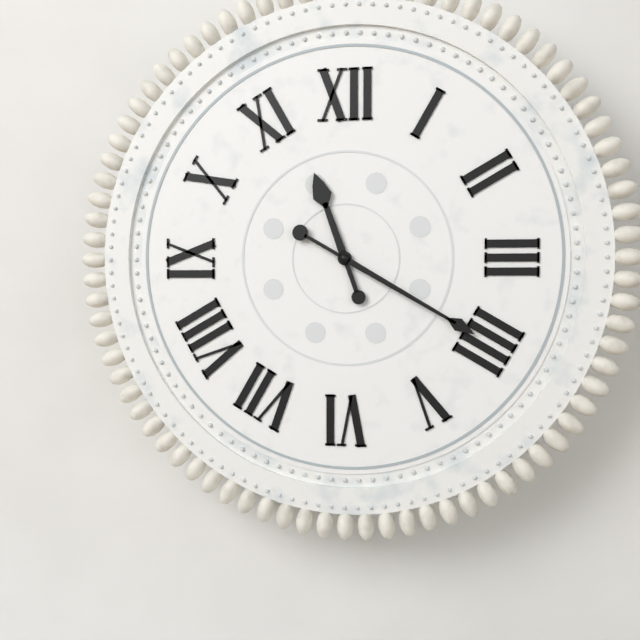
11:20
